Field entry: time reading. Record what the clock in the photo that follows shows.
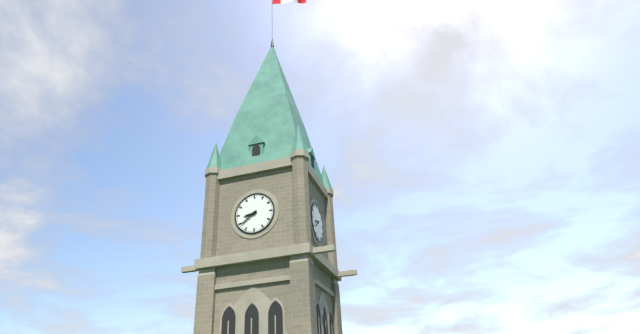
8:39
